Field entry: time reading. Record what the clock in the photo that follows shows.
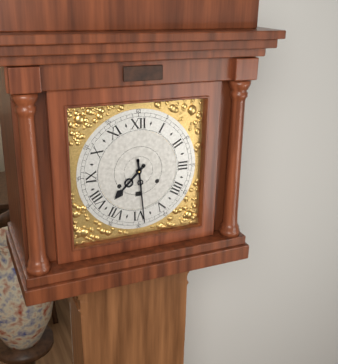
7:29
